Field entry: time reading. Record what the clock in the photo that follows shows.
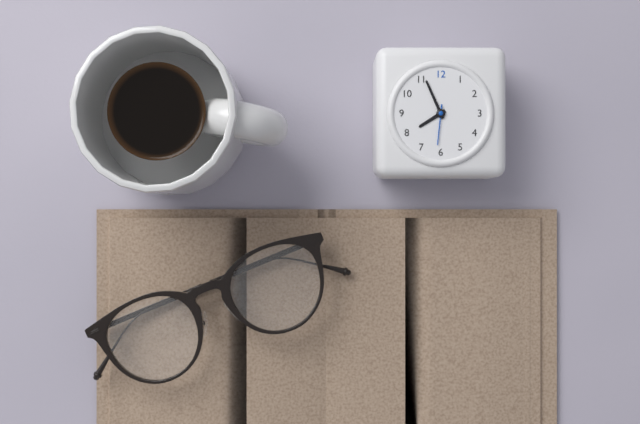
7:56
